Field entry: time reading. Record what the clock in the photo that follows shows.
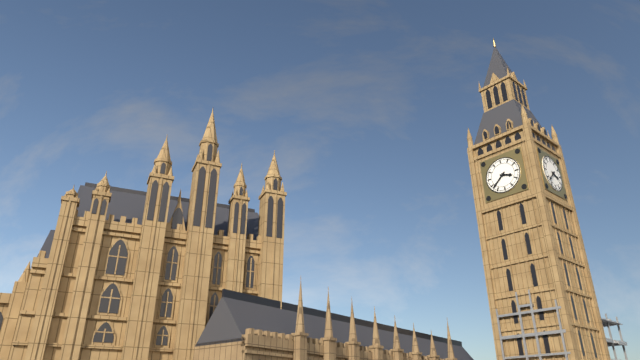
3:38
